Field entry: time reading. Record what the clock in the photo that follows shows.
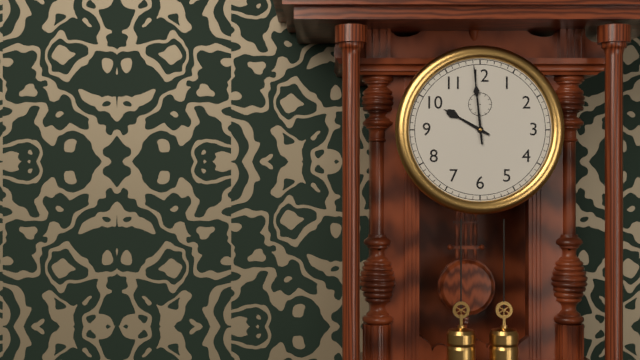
9:59
